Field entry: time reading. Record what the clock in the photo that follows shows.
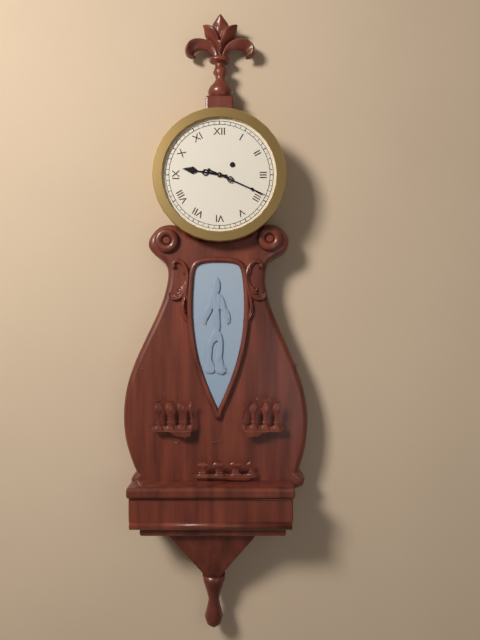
9:19
